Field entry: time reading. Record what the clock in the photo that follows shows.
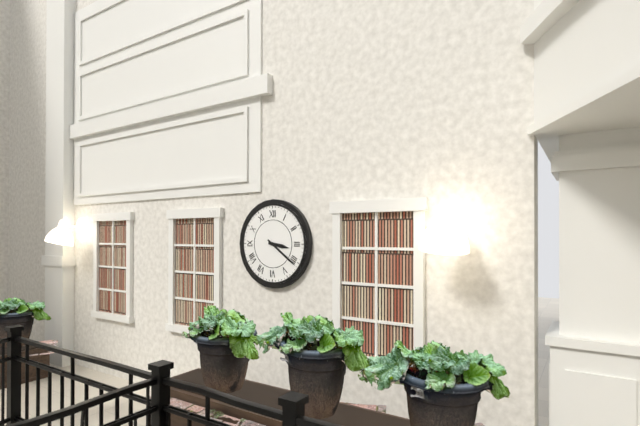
3:21
